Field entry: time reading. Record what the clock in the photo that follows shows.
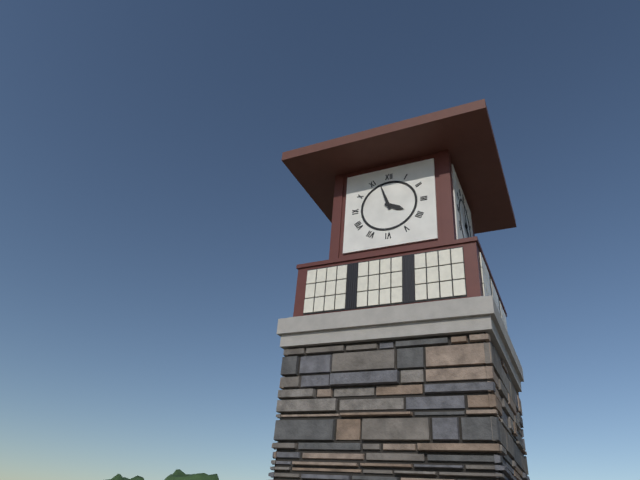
3:57
